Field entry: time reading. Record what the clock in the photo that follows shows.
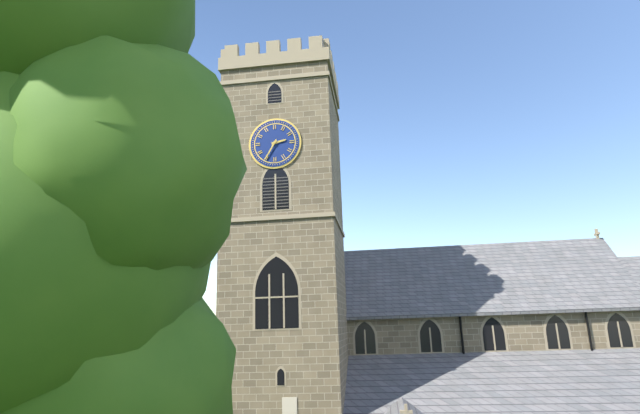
2:35
